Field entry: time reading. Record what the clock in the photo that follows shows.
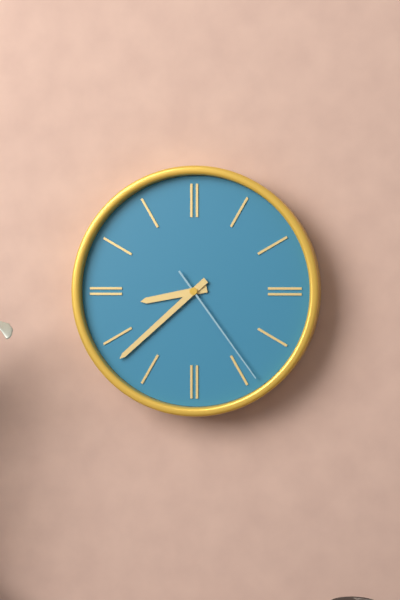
8:38:24
